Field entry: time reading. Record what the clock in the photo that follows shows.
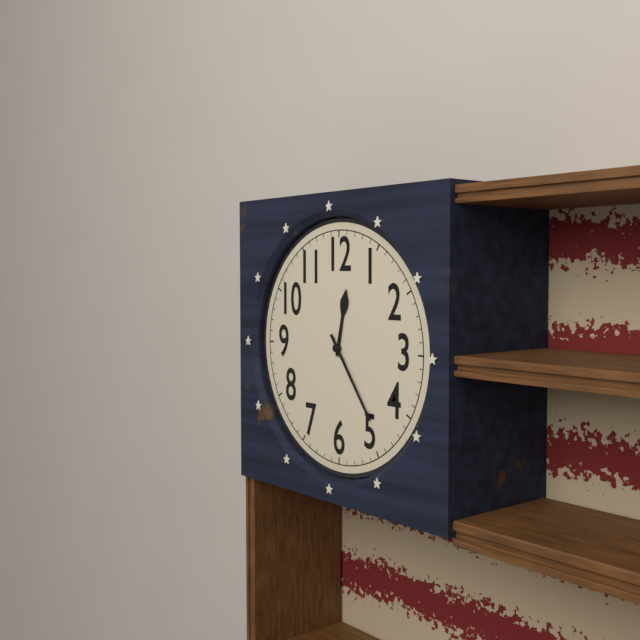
12:24
